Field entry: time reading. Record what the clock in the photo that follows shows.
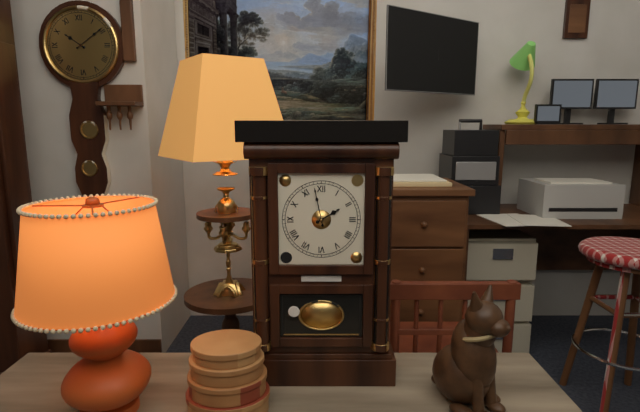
1:58
